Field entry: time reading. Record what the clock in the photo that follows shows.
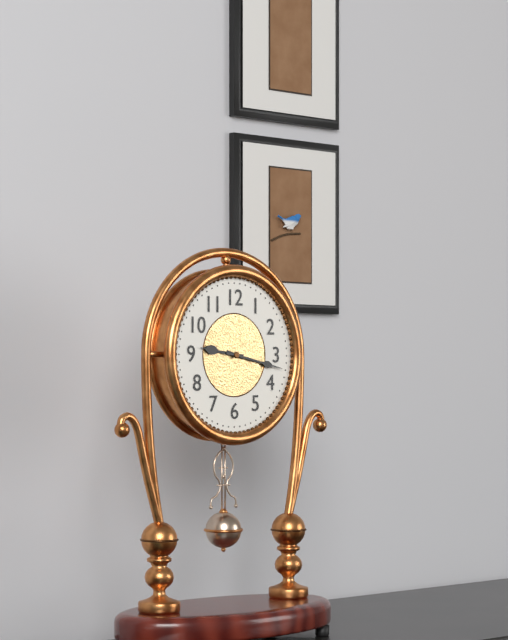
9:17
